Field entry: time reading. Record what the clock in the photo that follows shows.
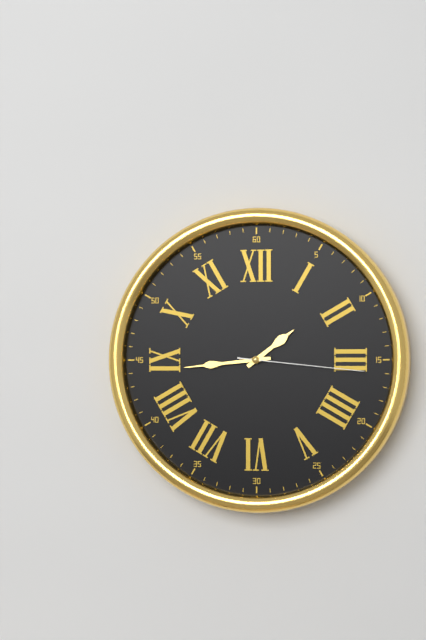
1:44:16
